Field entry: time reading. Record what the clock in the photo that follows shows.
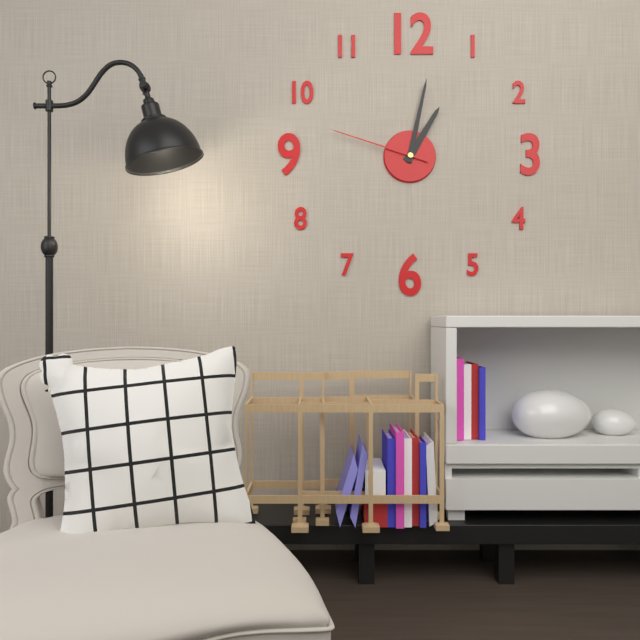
1:02:48
